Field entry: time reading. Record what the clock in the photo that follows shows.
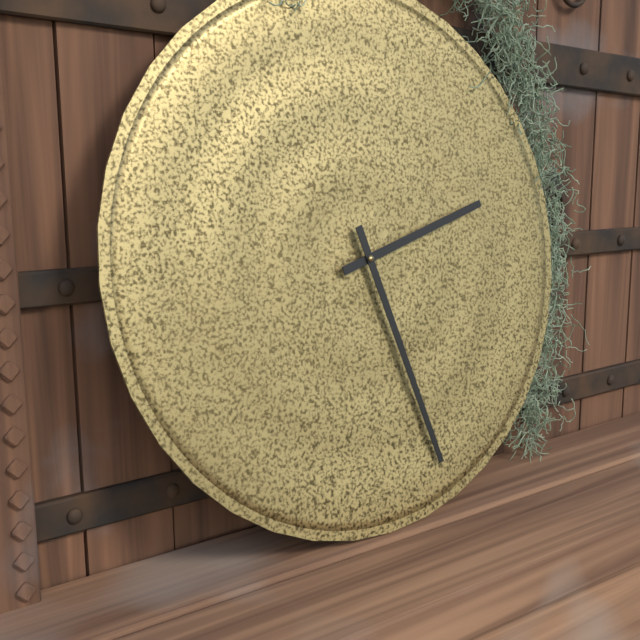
2:27
